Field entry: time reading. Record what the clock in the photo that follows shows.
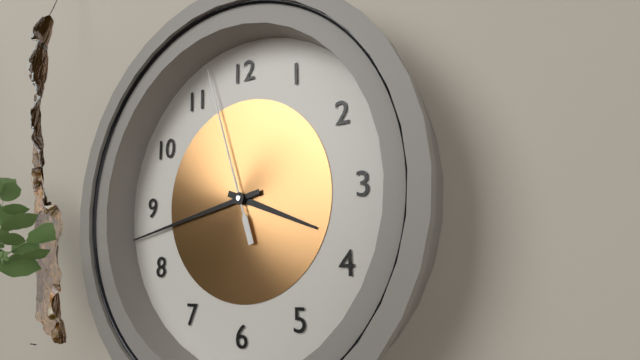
3:43:57
